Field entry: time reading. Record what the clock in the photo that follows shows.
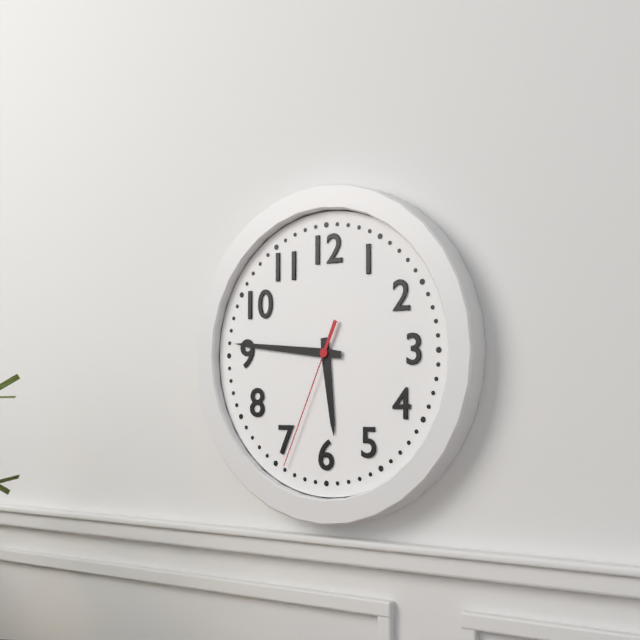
5:46:34
